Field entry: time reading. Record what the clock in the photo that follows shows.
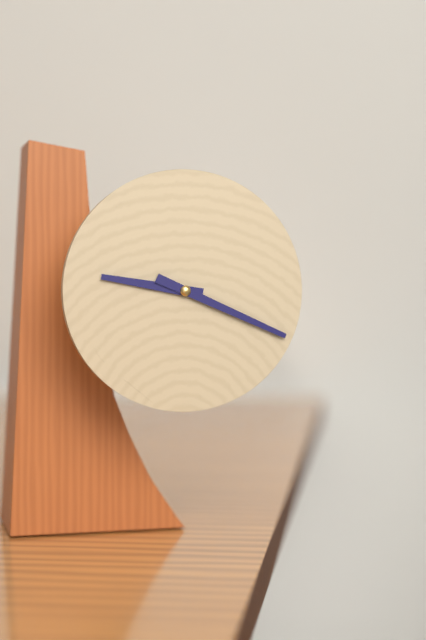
9:19
